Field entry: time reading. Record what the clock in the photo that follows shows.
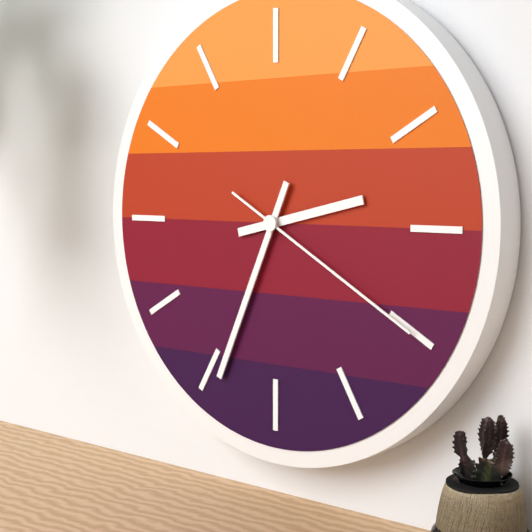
2:34:20
